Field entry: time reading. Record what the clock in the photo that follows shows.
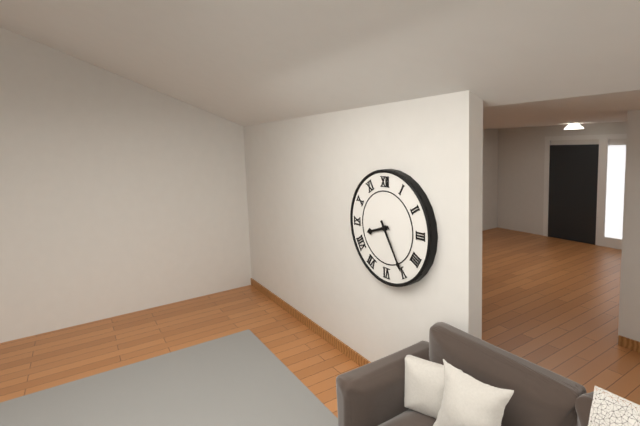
8:25
